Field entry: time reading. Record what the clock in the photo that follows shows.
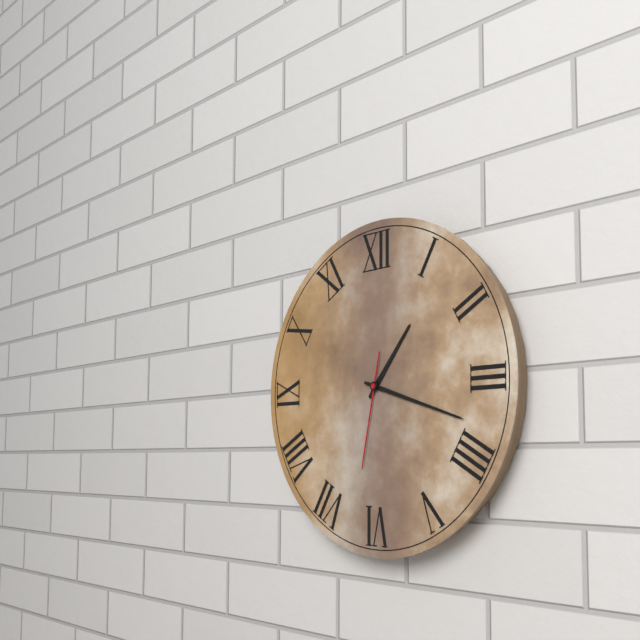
1:18:32
